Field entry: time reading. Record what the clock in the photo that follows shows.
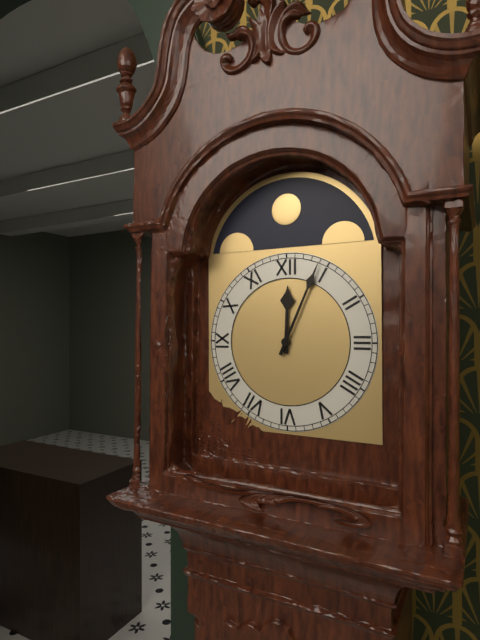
12:04
